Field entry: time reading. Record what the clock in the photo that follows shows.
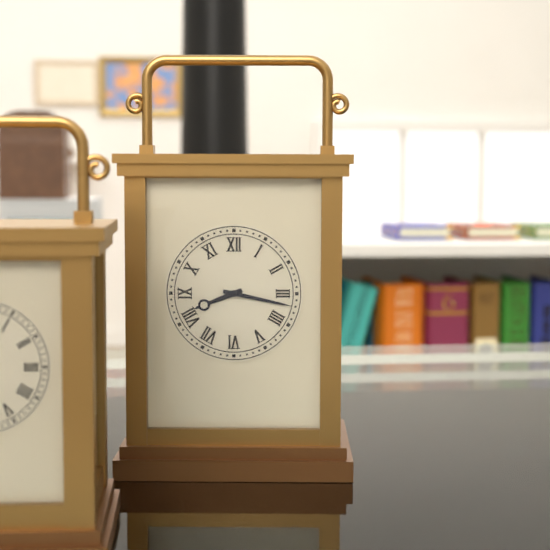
8:17
